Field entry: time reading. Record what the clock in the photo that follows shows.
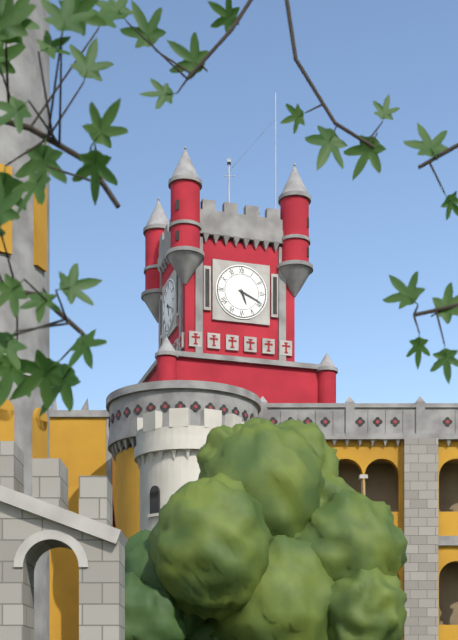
5:19
